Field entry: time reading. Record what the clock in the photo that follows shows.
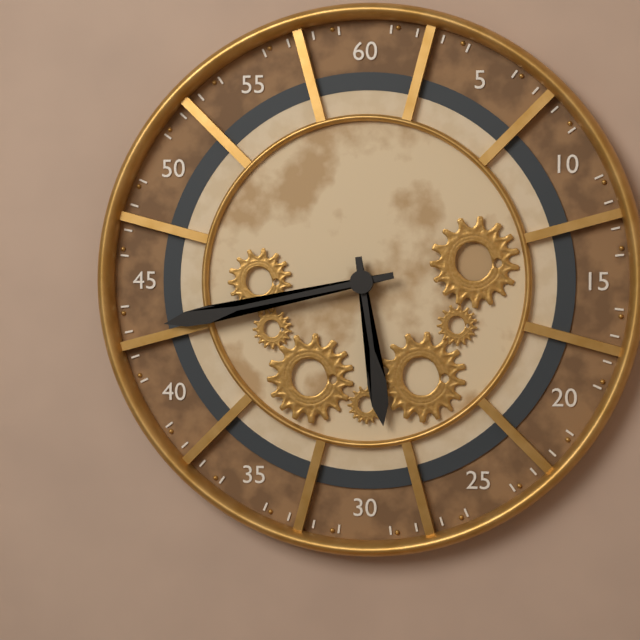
5:43
